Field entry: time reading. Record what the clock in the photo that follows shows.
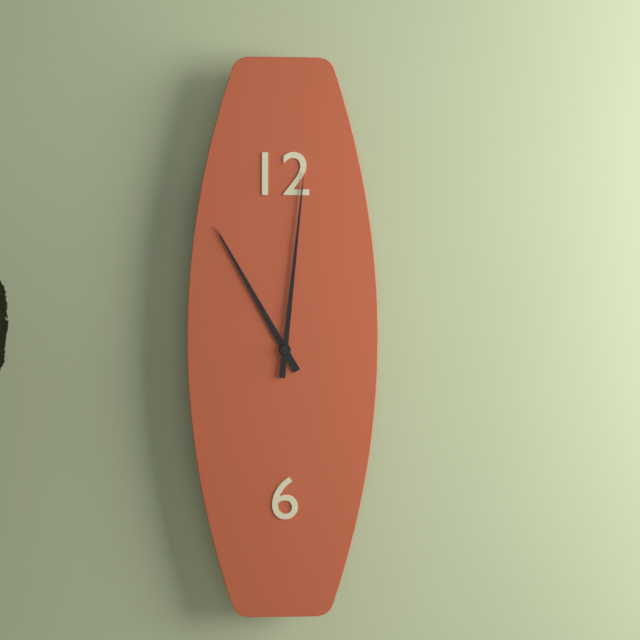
11:01
